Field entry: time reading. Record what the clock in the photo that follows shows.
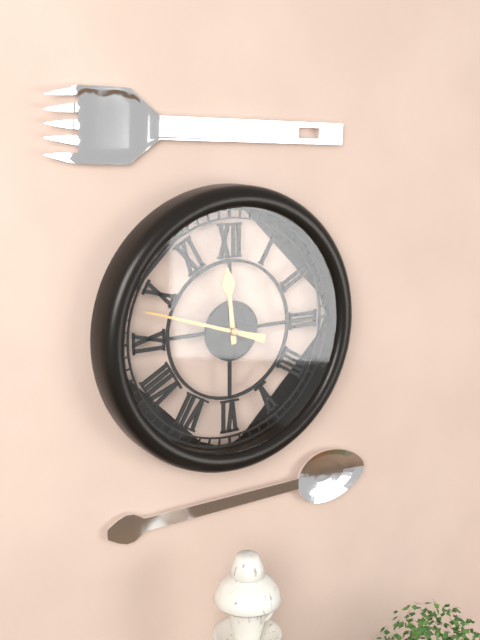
11:48
